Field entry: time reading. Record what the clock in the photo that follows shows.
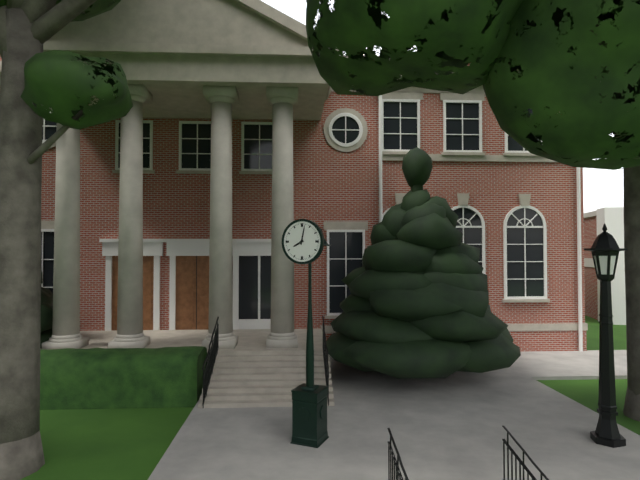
8:02
